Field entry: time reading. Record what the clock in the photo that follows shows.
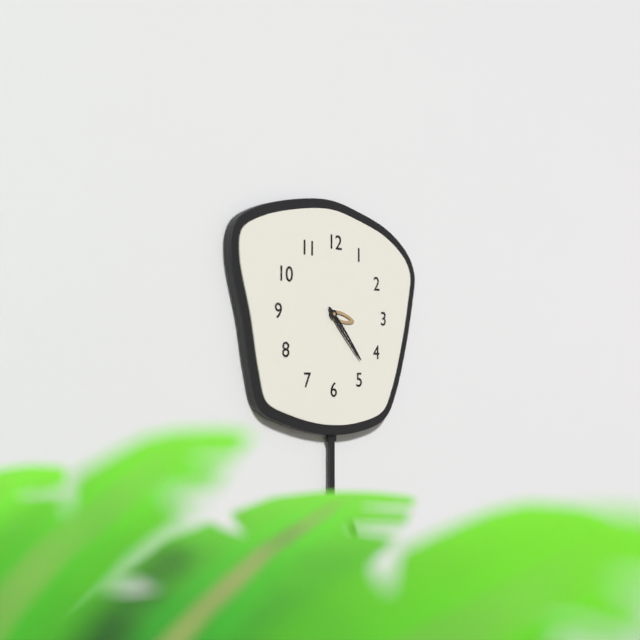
3:23
